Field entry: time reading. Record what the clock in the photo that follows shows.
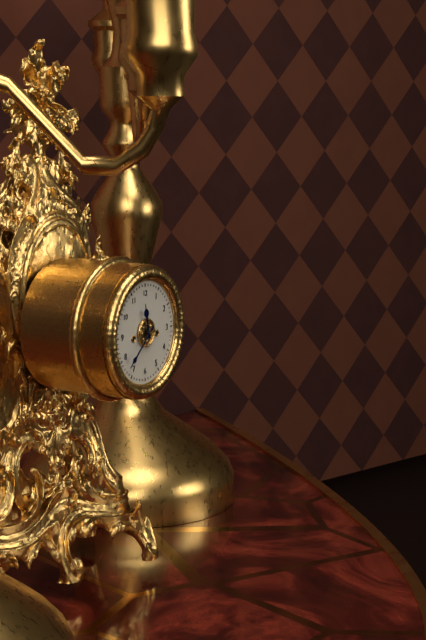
11:38
